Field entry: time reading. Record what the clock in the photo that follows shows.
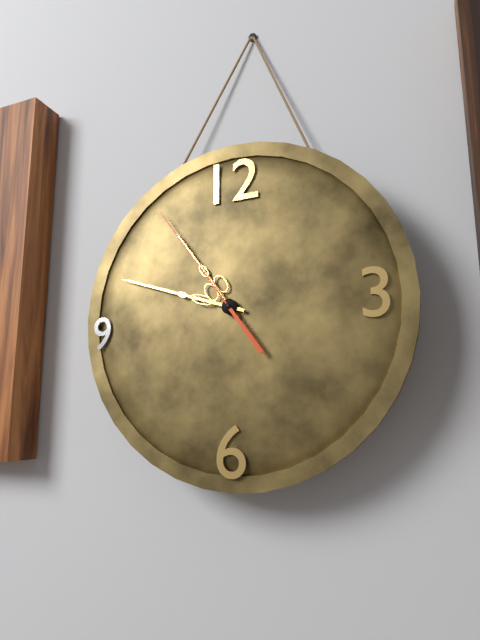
10:48:54
